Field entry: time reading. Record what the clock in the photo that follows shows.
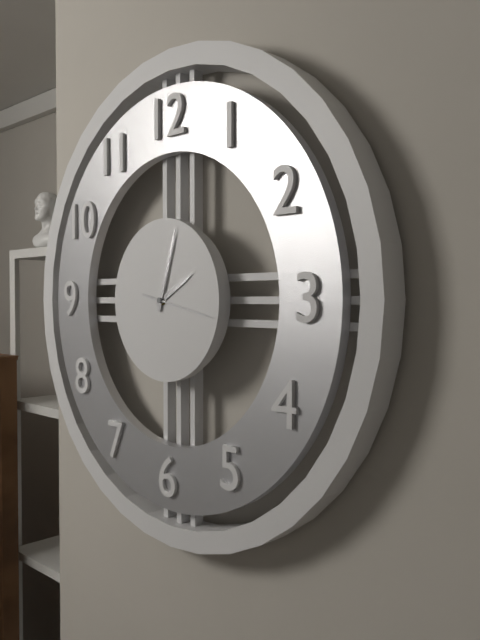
2:03:17
